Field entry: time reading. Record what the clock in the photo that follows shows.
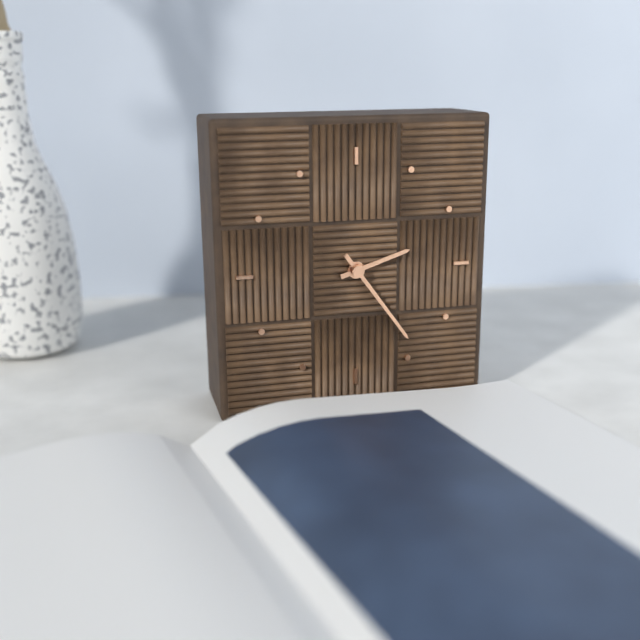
2:24
